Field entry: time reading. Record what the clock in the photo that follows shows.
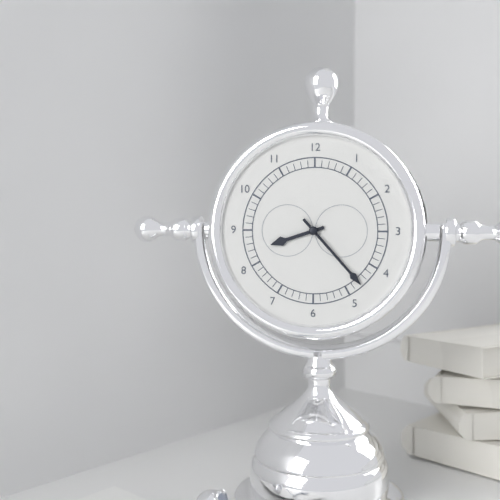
8:23
